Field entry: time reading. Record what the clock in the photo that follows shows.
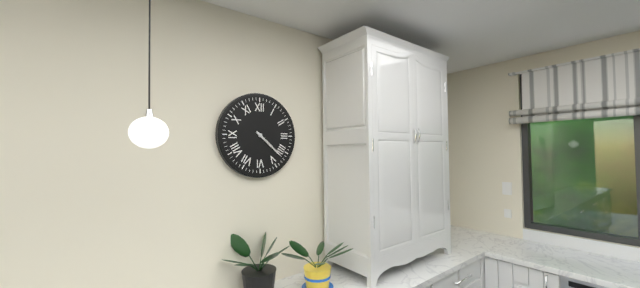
4:22
